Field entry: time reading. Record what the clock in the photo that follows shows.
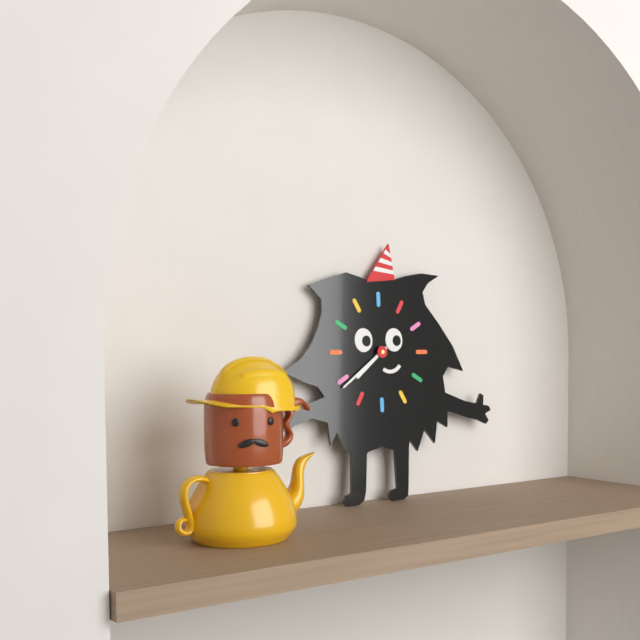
7:39
